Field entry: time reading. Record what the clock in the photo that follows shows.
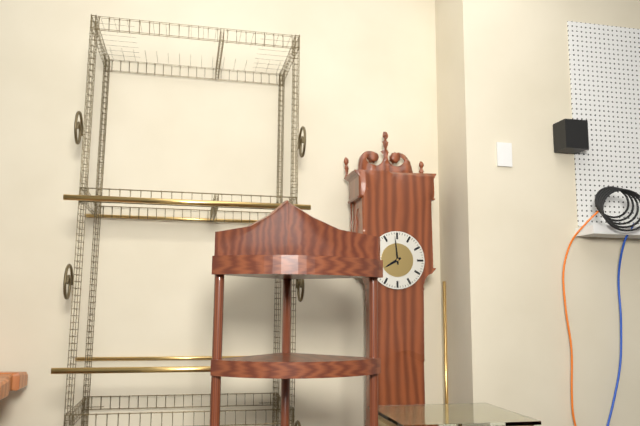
7:59
